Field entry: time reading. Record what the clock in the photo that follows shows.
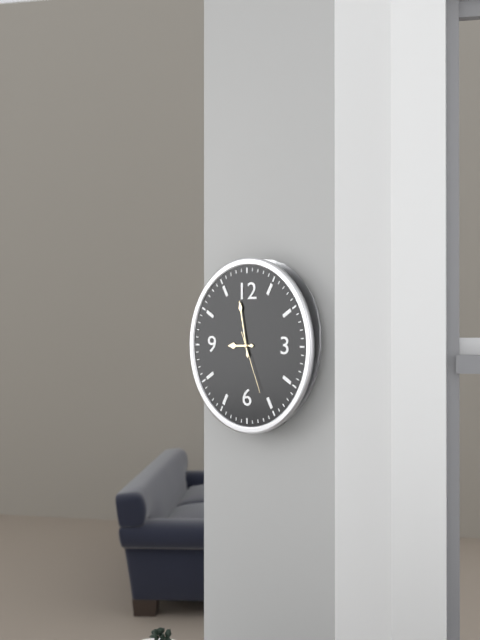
8:58:26
